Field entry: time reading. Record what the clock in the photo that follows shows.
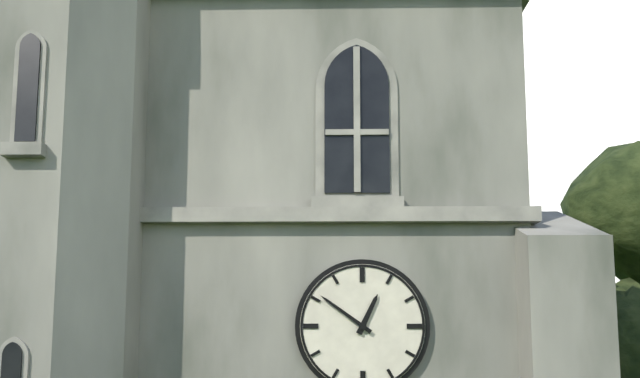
12:51
